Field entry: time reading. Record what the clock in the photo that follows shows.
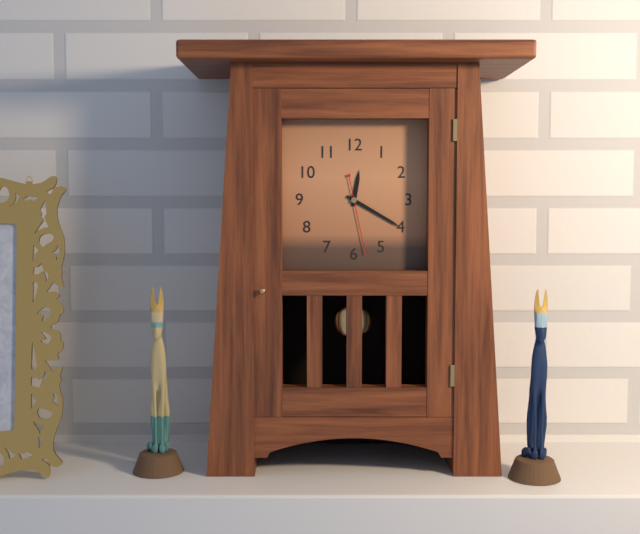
12:20:28
